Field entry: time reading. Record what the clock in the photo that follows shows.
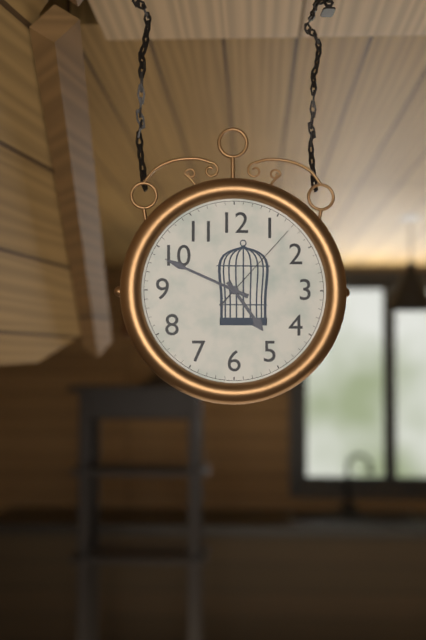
4:49:07
